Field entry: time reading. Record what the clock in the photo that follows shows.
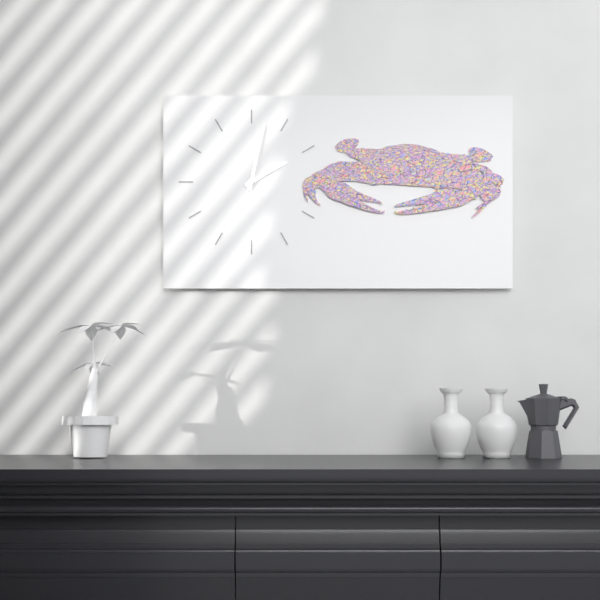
2:02
